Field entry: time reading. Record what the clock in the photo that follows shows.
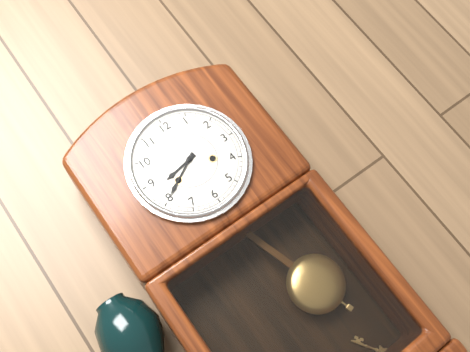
8:40
